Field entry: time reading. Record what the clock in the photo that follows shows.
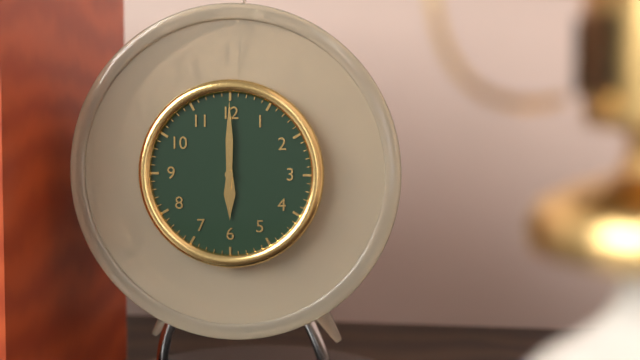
6:00
